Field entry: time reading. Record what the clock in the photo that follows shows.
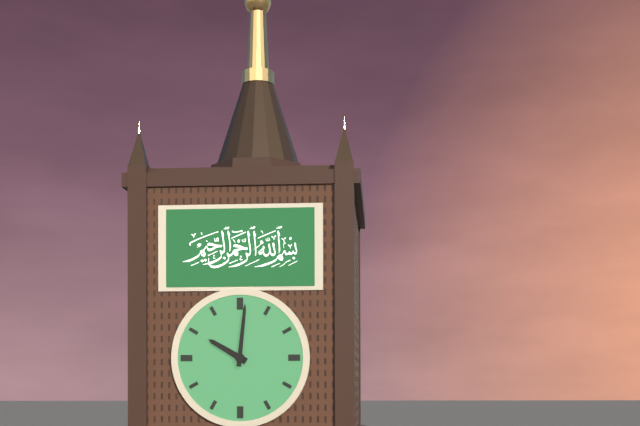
10:01
